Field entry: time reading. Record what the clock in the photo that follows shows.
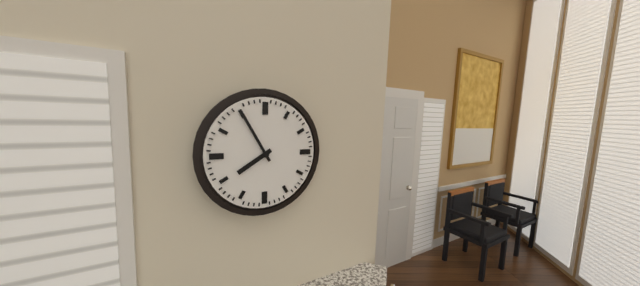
7:55
